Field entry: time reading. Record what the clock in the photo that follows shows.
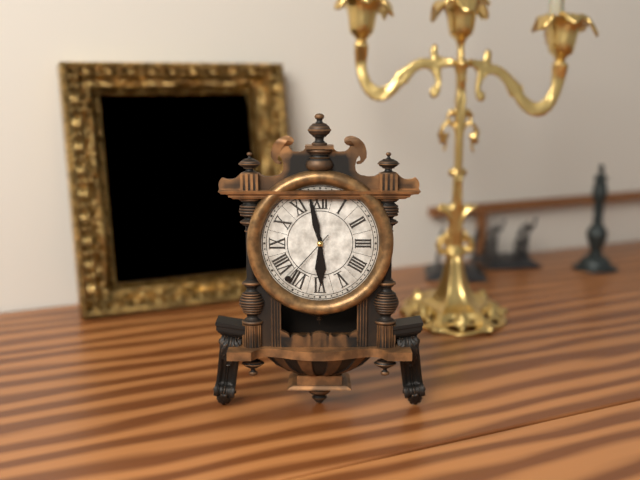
5:58:37
